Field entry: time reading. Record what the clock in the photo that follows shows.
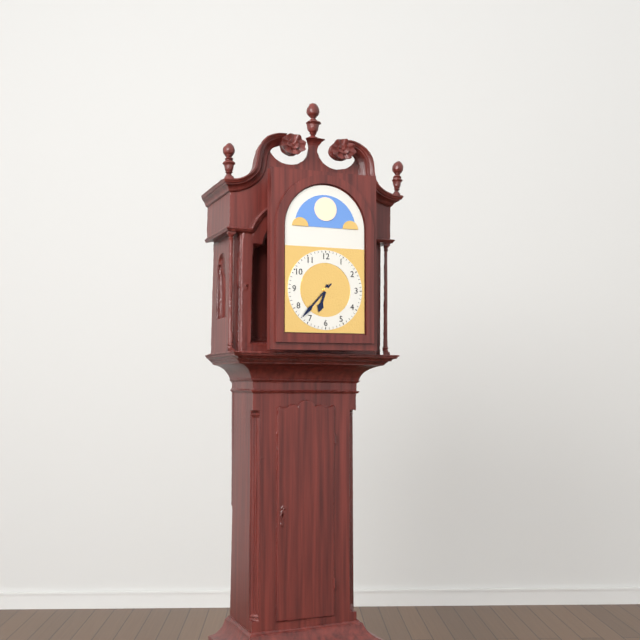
6:37
